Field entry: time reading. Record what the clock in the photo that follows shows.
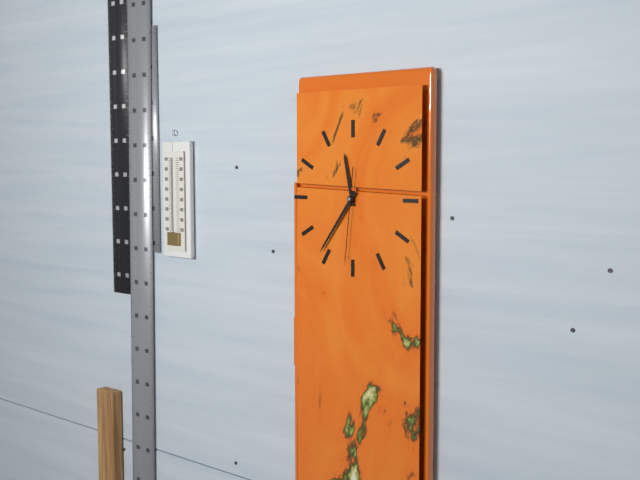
11:36:31
